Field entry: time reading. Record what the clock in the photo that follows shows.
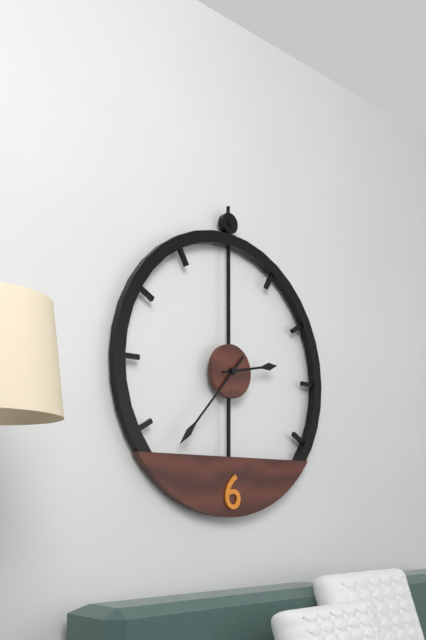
2:37
